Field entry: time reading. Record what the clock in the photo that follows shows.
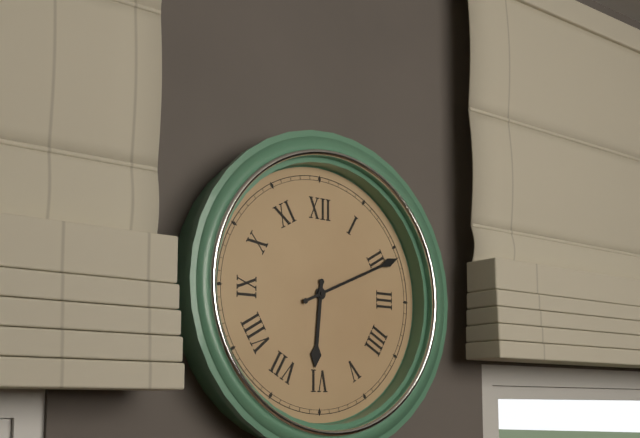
6:11
